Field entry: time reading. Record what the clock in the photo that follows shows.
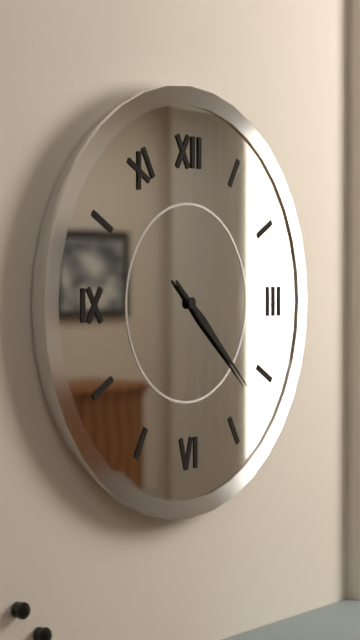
4:22
